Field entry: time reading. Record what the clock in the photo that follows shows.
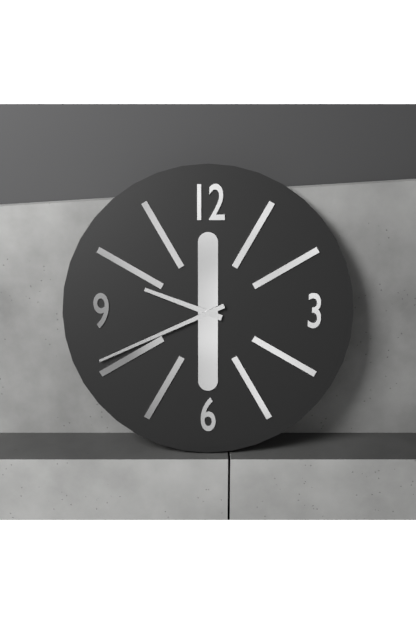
9:41
